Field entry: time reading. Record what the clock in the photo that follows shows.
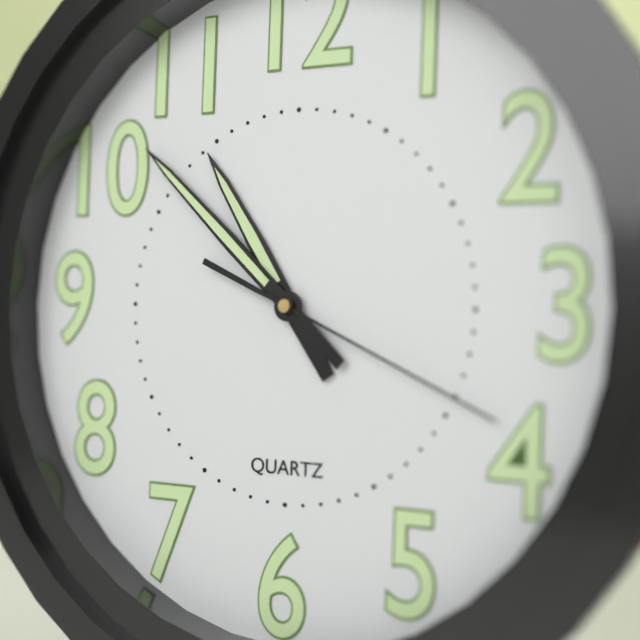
10:52:19
